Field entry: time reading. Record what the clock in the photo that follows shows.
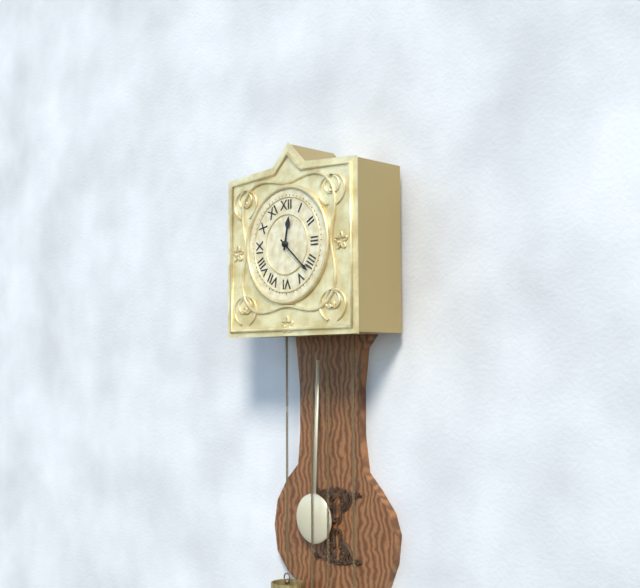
12:22
